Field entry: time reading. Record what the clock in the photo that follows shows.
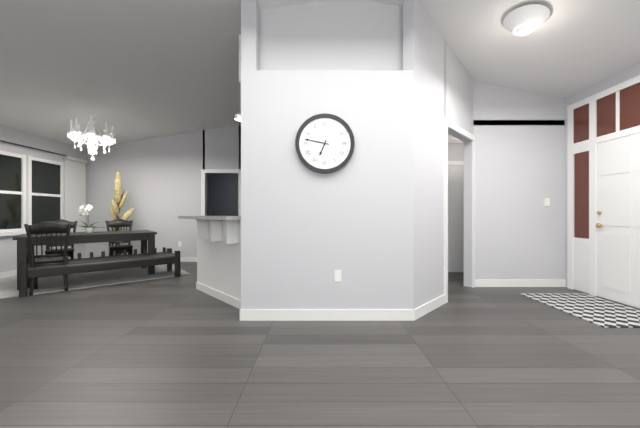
6:47
